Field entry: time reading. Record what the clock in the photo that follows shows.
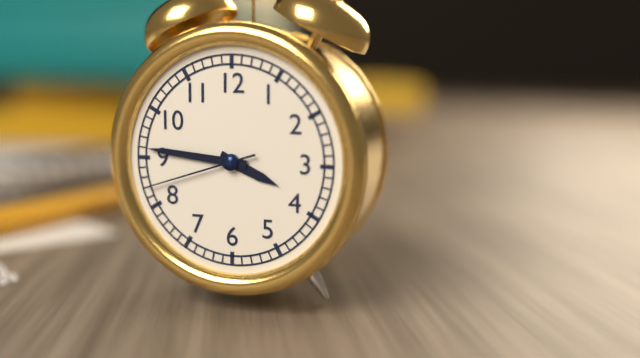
3:46:42
